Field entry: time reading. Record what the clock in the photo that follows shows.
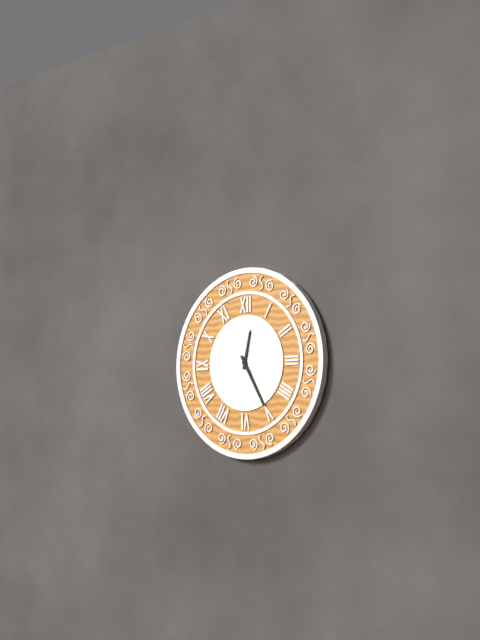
12:25
